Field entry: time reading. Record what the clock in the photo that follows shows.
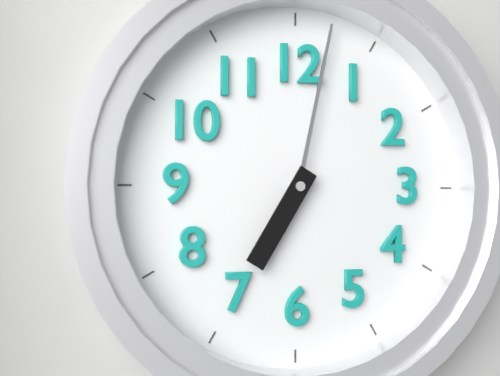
7:02
